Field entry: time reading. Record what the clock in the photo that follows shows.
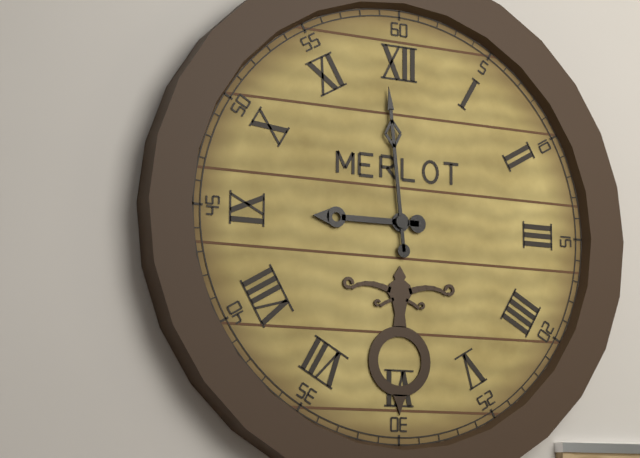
8:59
